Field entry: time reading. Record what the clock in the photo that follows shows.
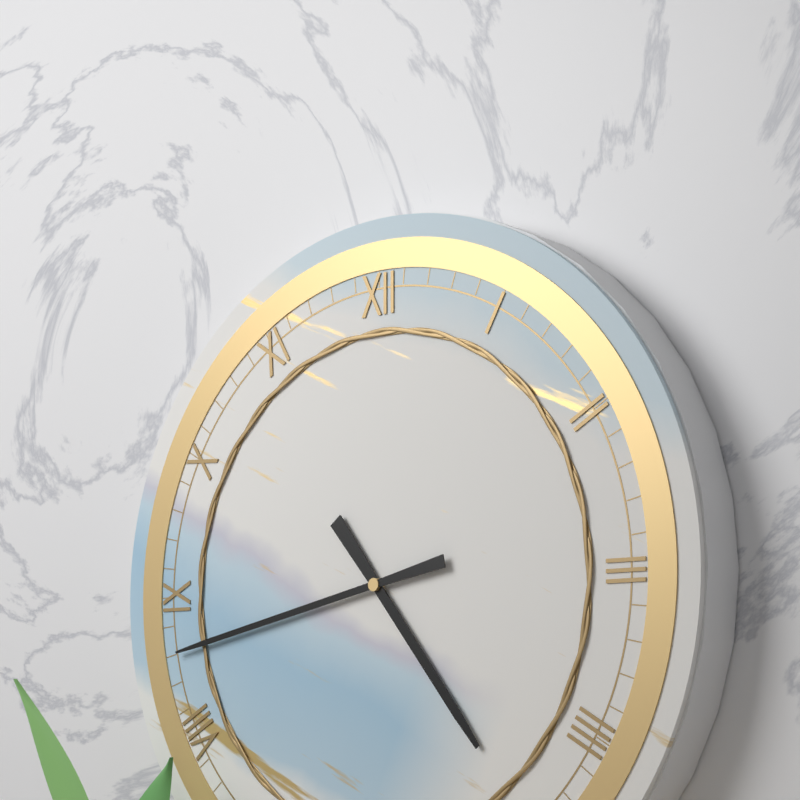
4:43
